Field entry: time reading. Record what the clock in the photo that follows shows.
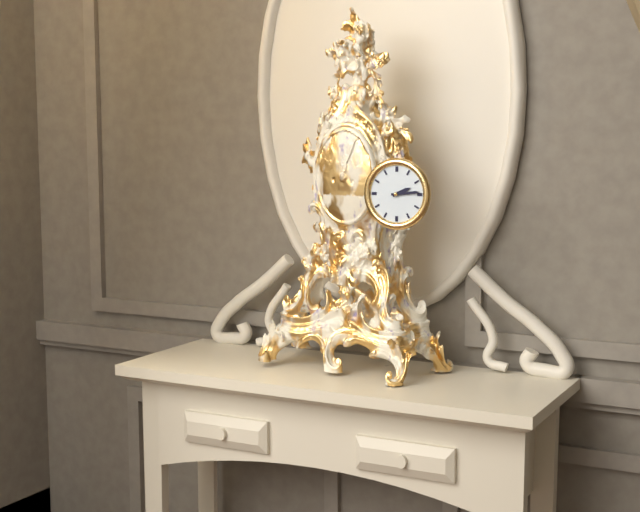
2:14
